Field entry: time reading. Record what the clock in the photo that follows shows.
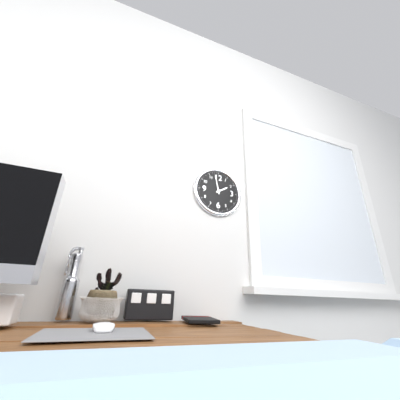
1:58
